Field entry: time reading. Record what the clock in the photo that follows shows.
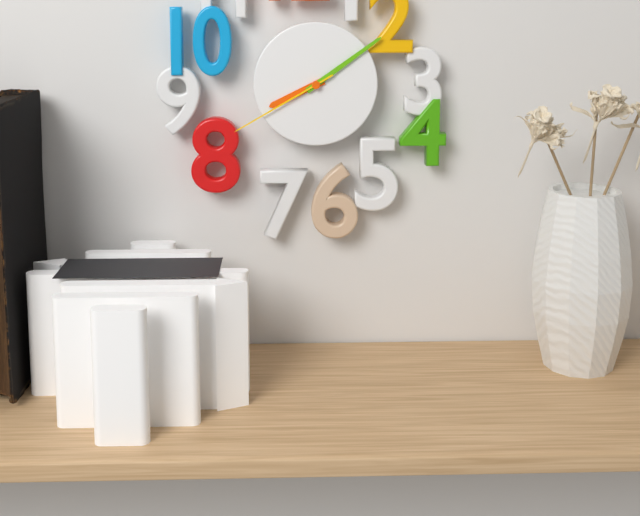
8:09:40
